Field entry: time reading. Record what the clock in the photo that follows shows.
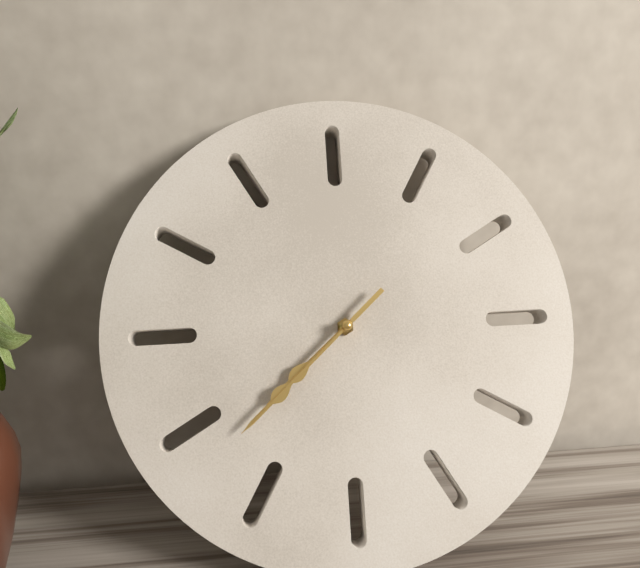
7:38:38
